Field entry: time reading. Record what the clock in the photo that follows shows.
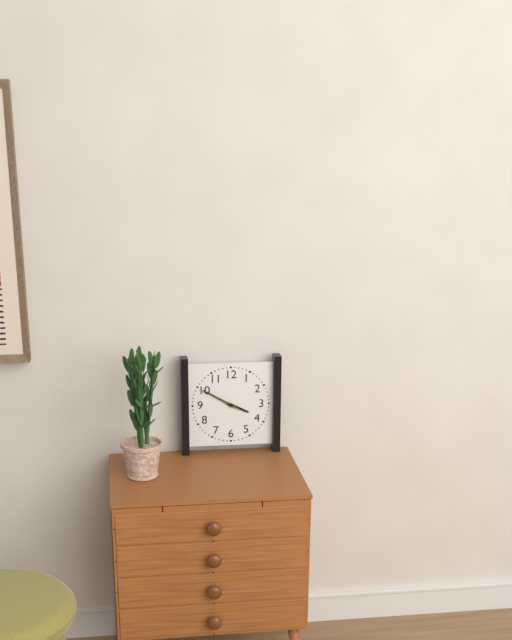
3:50
